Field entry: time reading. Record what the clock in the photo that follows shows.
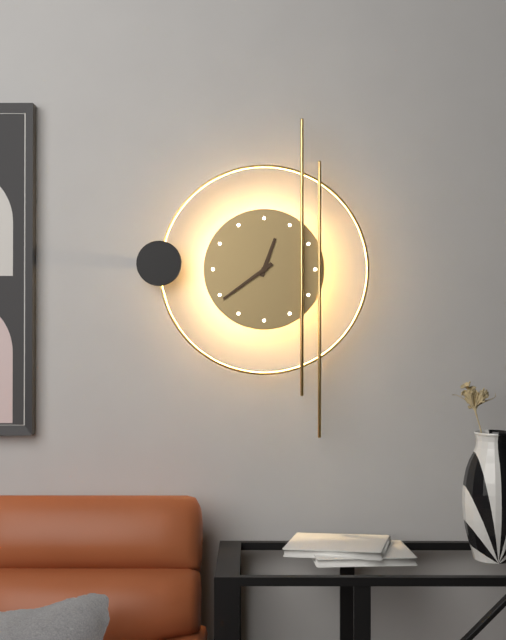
12:39
